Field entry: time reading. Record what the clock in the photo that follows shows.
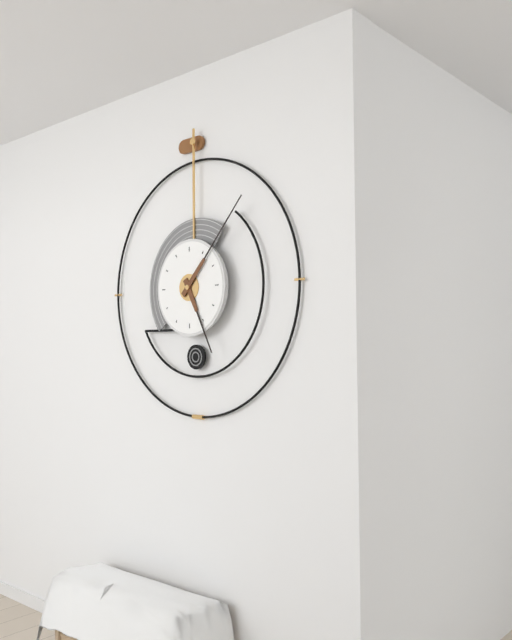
5:07
